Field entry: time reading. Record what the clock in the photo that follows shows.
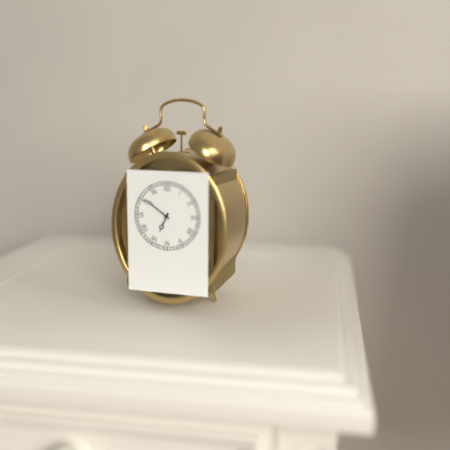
6:51
